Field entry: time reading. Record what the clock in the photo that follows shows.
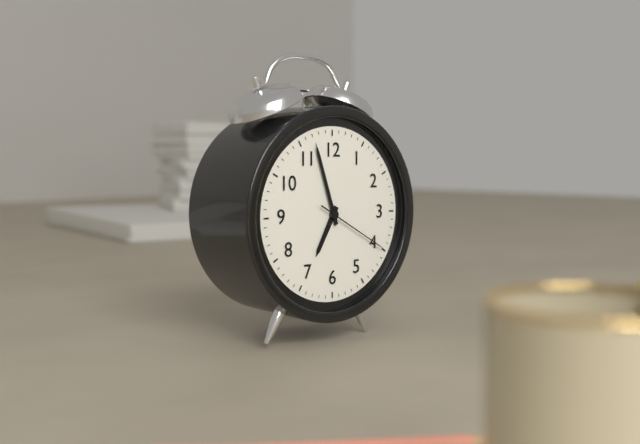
6:57:20
